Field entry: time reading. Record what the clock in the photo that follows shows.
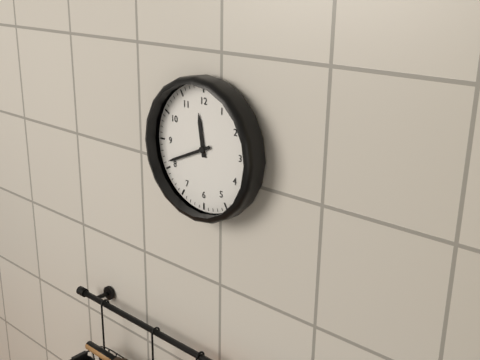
11:41
